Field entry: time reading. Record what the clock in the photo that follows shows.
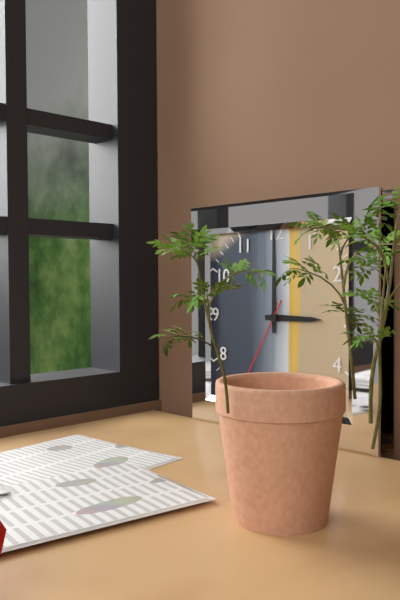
3:00:35
